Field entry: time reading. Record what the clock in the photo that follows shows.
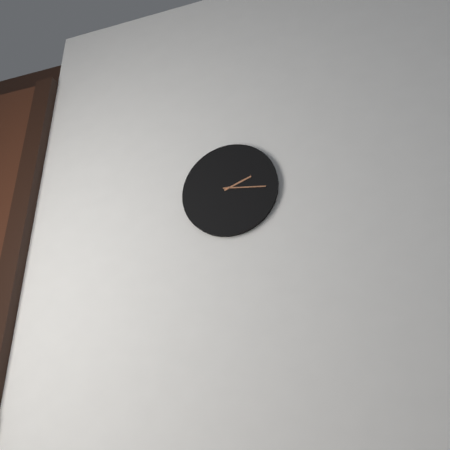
2:16
